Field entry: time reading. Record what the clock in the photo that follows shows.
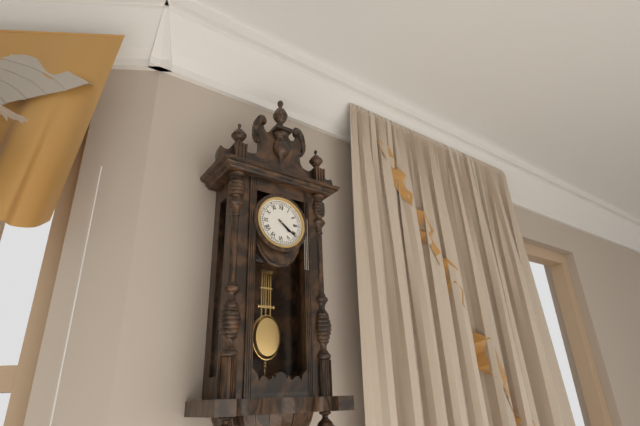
4:21
